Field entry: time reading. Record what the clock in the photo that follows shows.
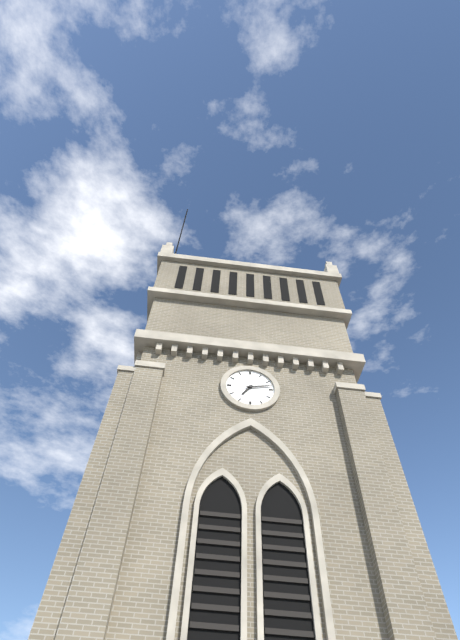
7:13
